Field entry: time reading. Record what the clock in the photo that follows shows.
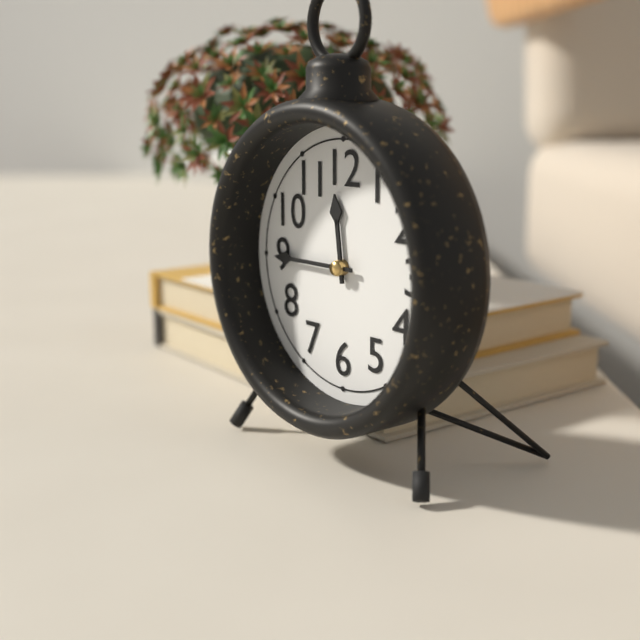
11:45
